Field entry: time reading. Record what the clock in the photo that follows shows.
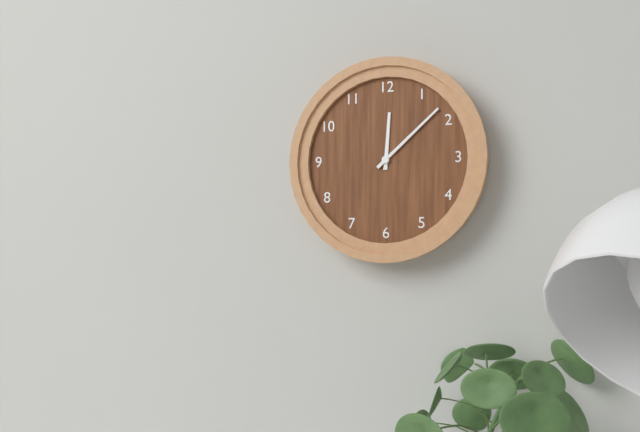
12:08
